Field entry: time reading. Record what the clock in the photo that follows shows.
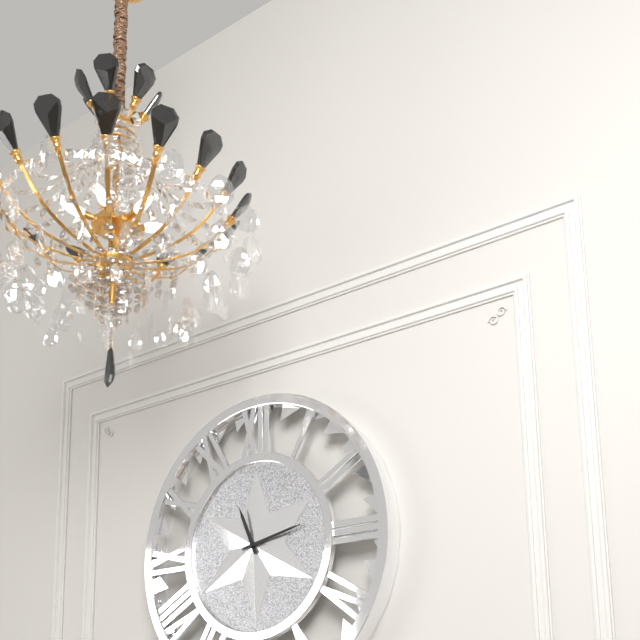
11:13
